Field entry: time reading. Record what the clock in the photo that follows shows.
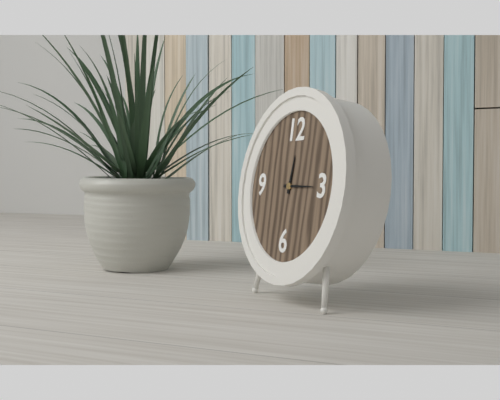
12:15
